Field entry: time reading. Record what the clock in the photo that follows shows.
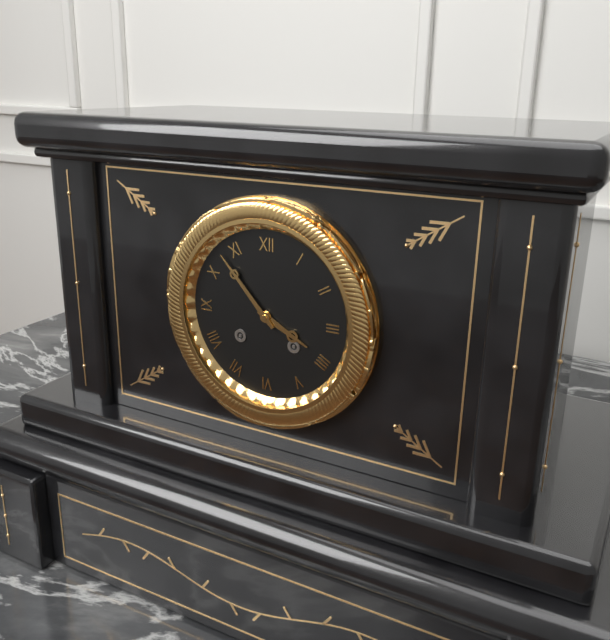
3:53
